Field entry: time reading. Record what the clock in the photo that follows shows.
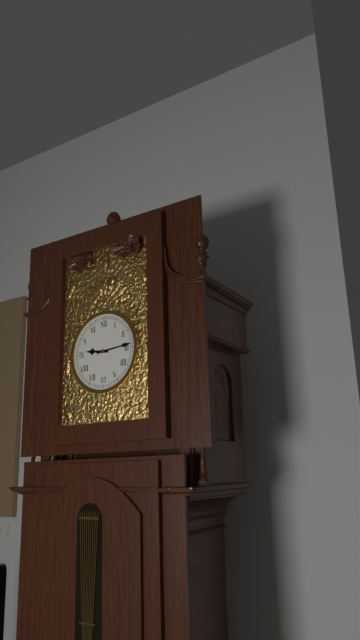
9:14
